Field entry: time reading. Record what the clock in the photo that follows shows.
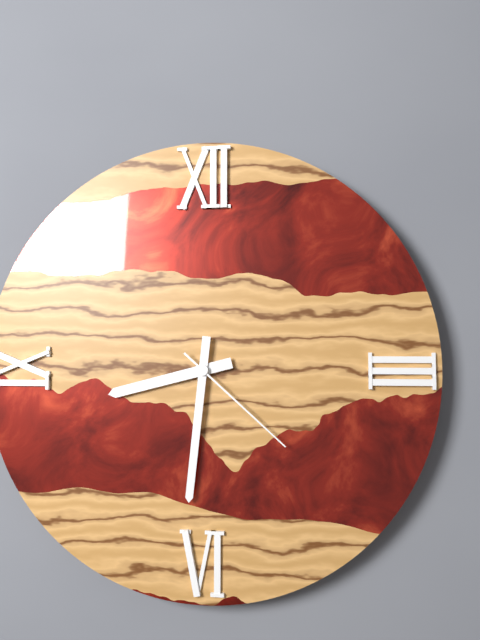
8:31:22
